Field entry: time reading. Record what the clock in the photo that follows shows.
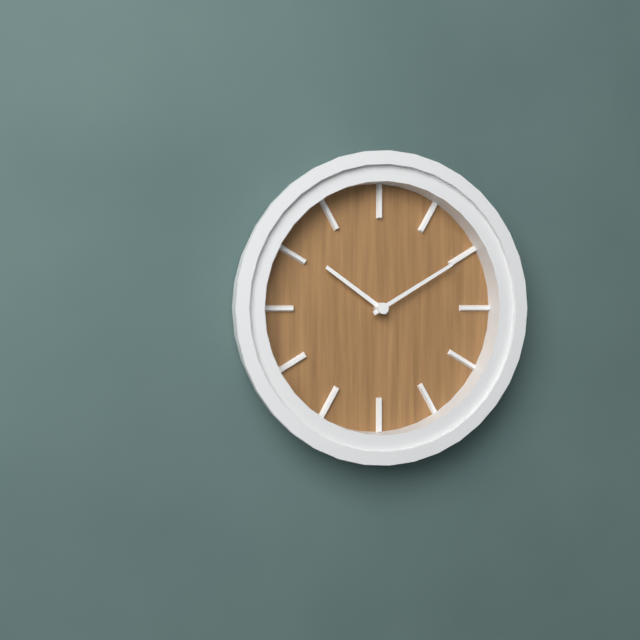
10:10
